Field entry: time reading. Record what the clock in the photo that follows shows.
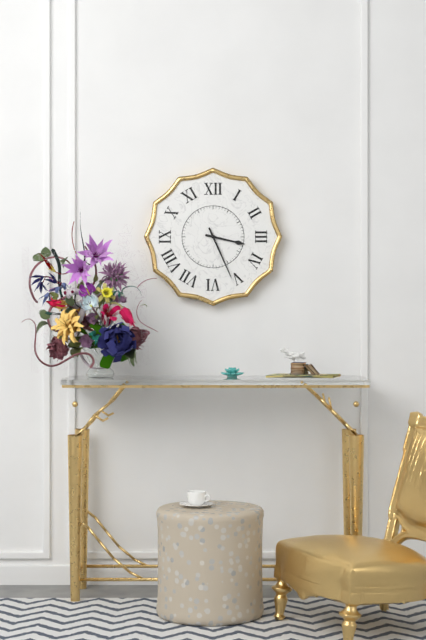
3:26
